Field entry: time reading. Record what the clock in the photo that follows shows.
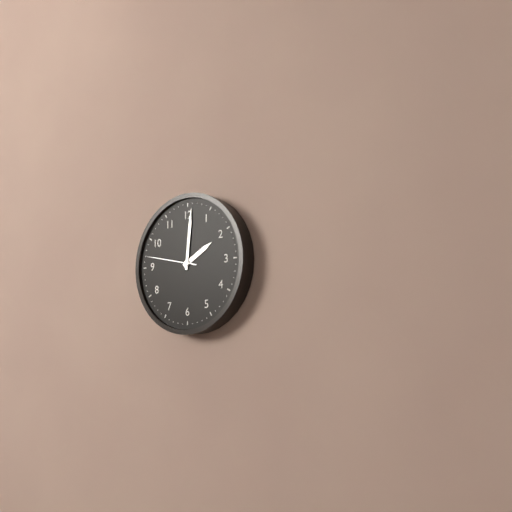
2:01:47
